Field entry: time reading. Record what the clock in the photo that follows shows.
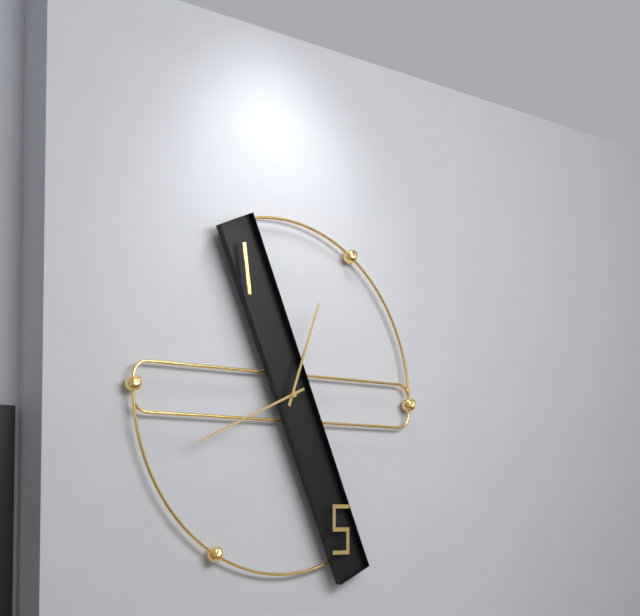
12:41
